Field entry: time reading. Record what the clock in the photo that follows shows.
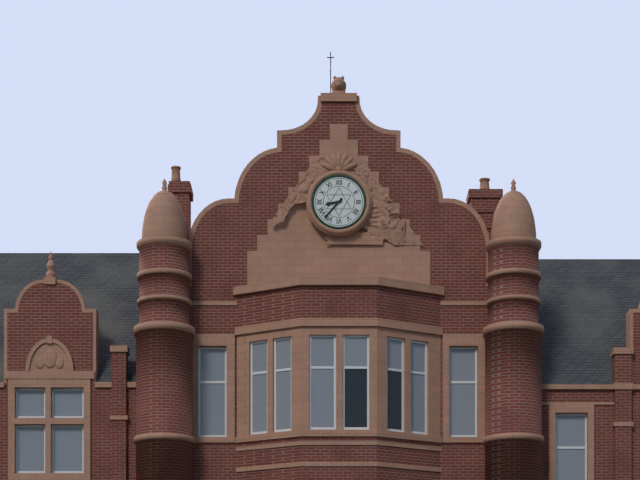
8:37
